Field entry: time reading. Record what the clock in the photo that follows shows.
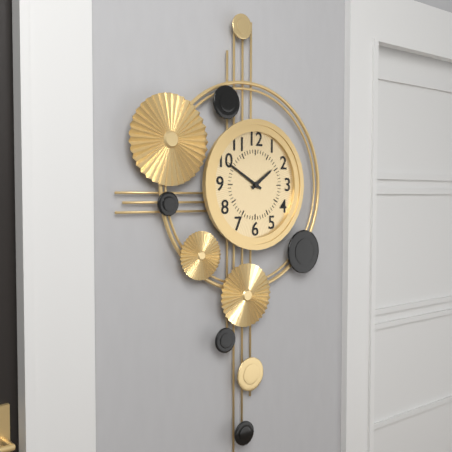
1:50
